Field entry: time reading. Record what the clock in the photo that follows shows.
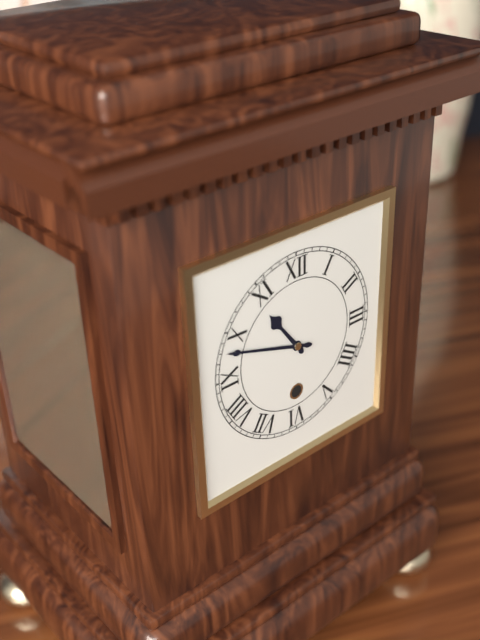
10:48
